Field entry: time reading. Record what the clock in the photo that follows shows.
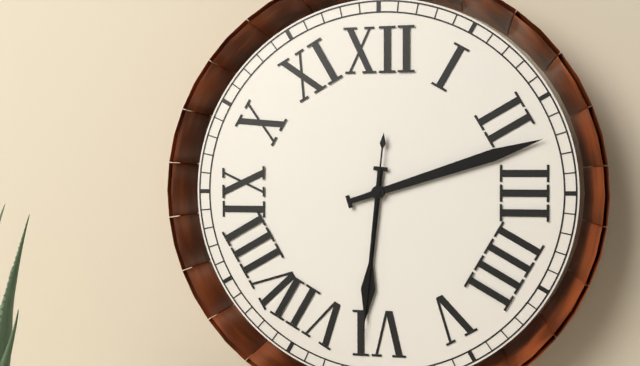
6:12:31
